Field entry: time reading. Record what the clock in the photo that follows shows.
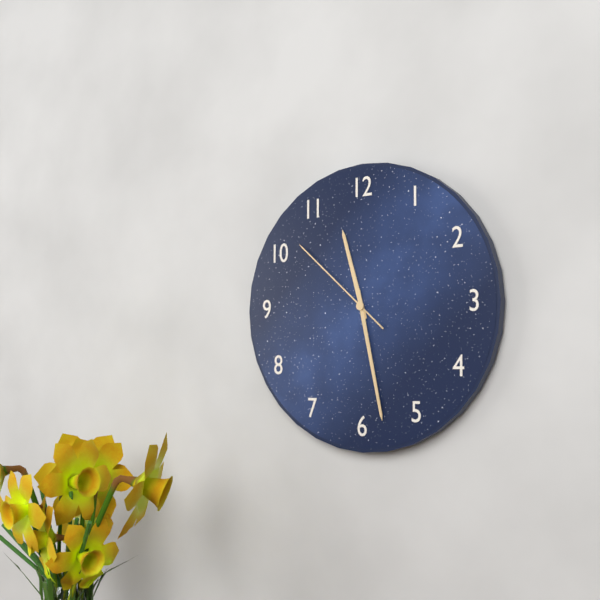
11:28:52
